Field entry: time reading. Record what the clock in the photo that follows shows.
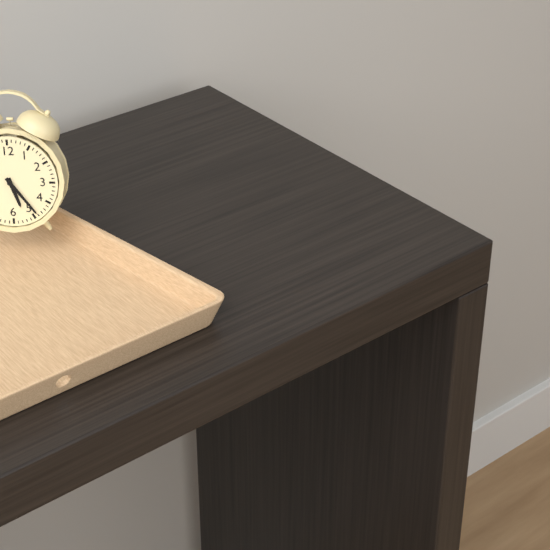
5:24
